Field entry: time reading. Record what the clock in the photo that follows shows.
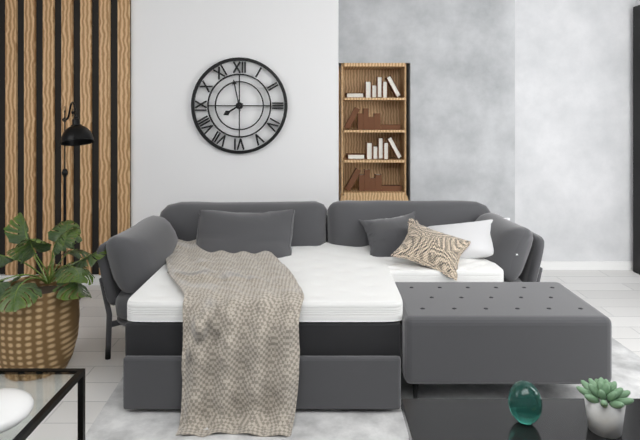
7:58
